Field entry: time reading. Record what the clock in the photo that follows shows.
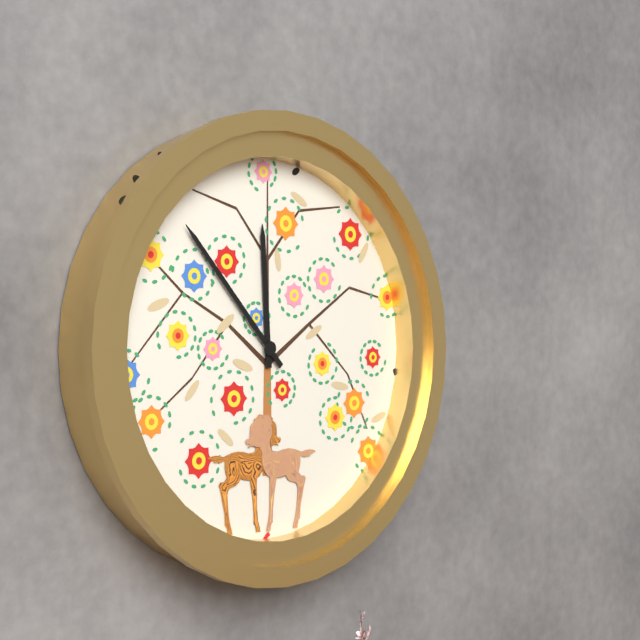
11:53
